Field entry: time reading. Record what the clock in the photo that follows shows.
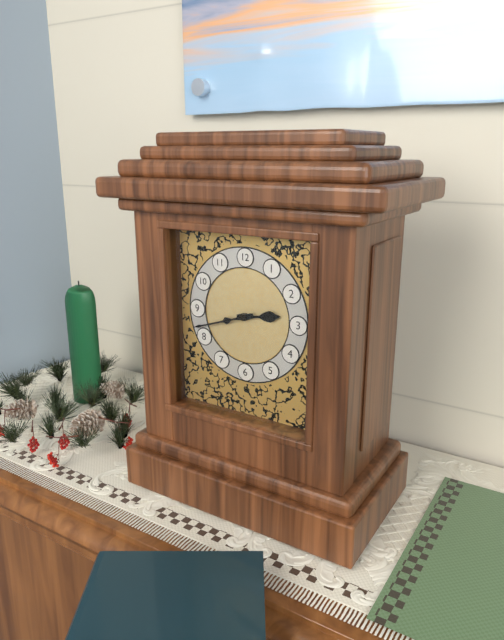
2:42
